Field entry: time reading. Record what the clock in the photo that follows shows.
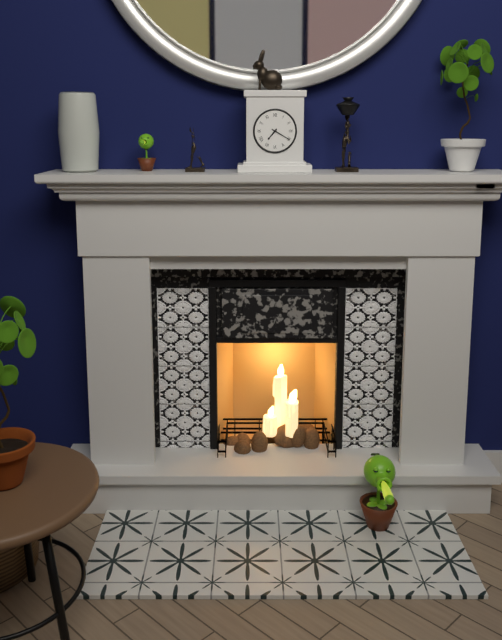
7:20
